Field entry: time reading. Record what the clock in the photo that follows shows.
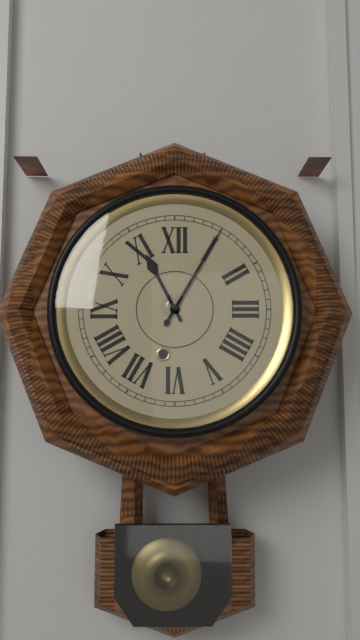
11:05
